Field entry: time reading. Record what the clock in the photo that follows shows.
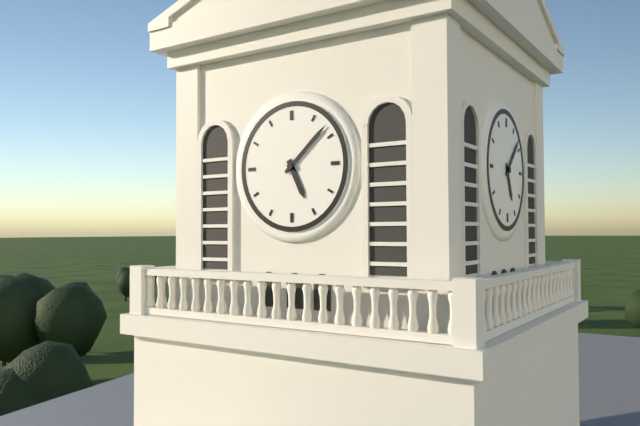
5:08
